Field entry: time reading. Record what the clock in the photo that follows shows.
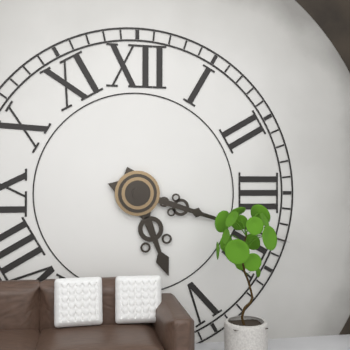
5:18
